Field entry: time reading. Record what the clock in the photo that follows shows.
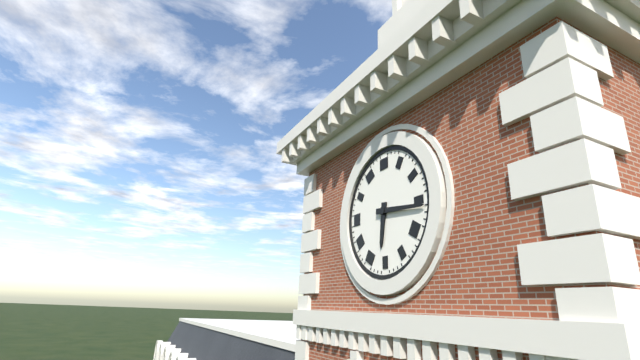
6:16
